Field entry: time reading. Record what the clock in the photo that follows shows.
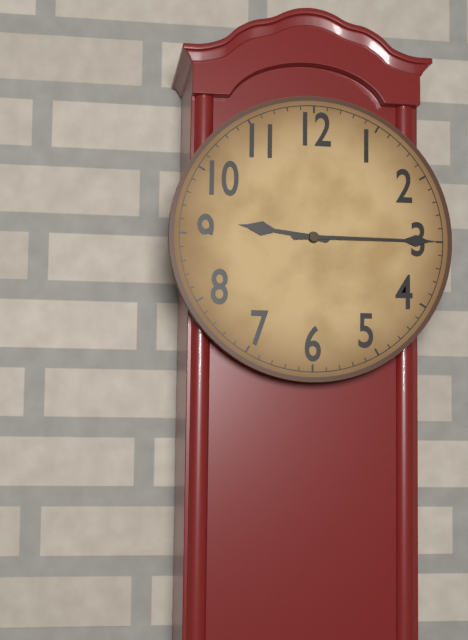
9:15
